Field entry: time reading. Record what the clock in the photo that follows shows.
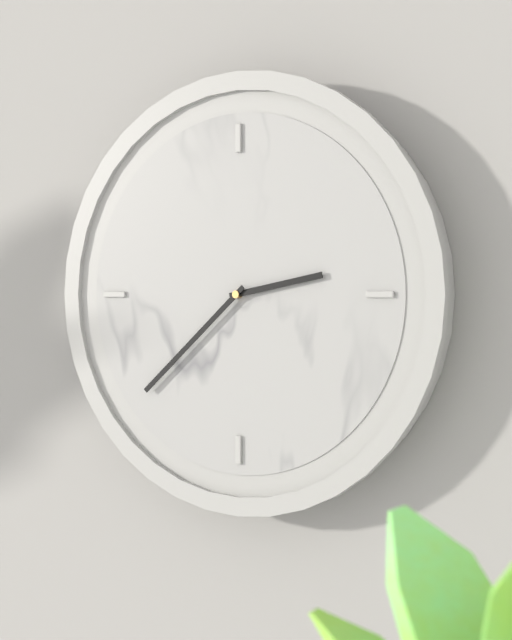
2:38
